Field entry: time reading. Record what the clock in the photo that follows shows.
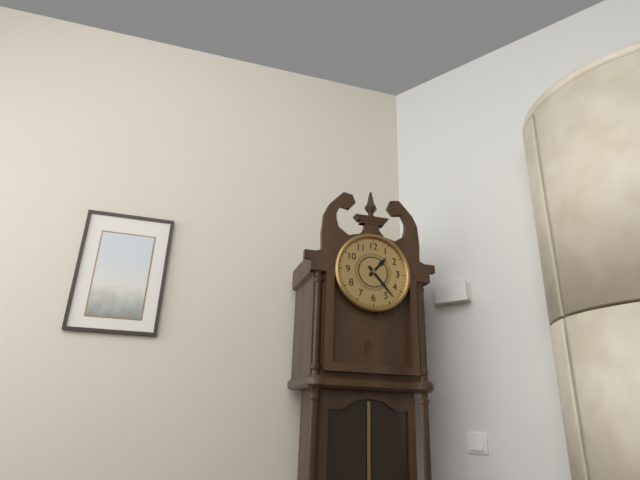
1:23
